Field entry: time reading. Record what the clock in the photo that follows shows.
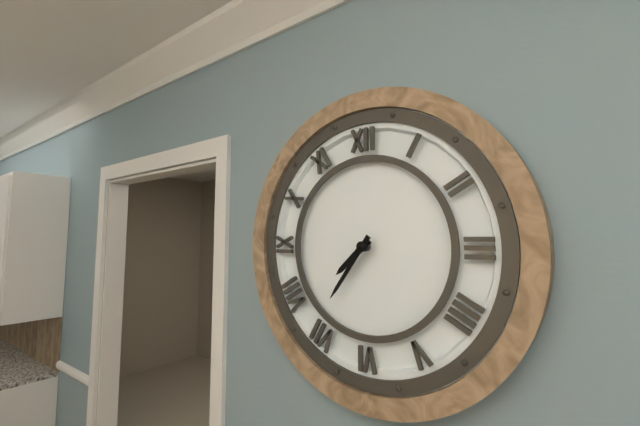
7:36
